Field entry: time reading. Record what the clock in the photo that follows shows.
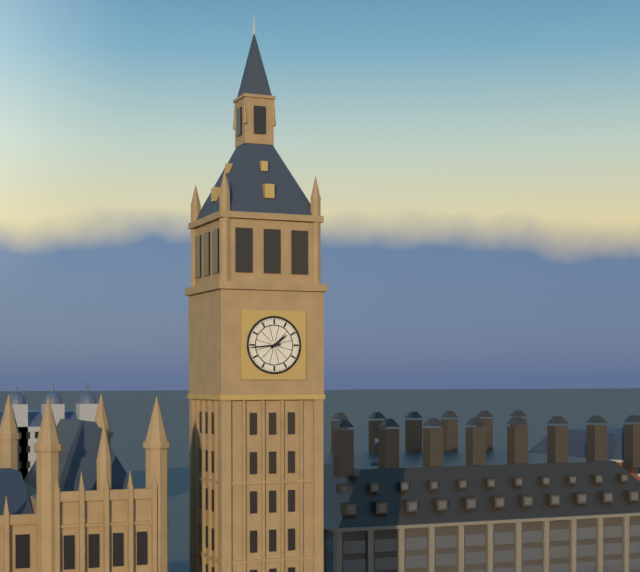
1:44
